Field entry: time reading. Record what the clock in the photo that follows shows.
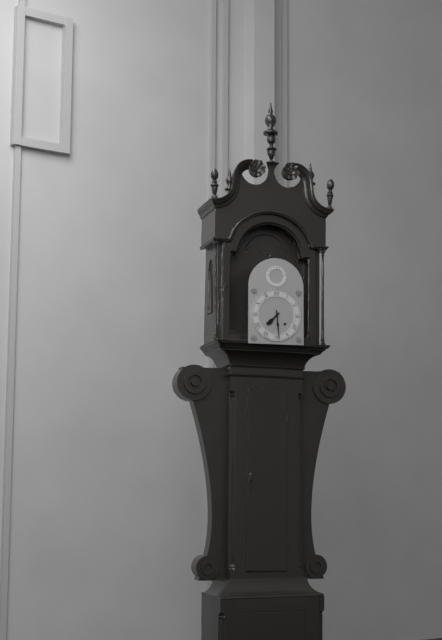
7:29
